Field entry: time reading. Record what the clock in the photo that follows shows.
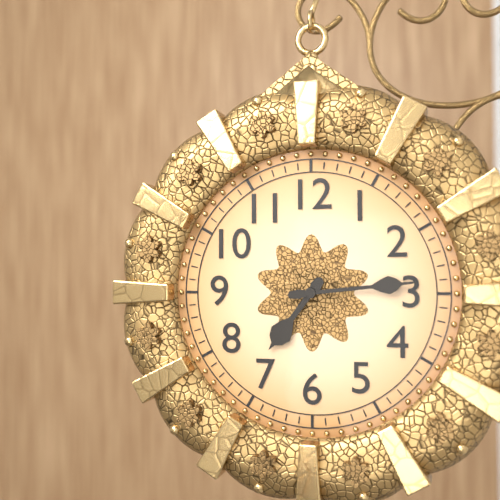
7:14
